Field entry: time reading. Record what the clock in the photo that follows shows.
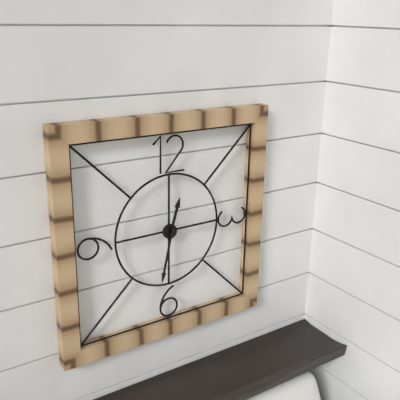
12:32
